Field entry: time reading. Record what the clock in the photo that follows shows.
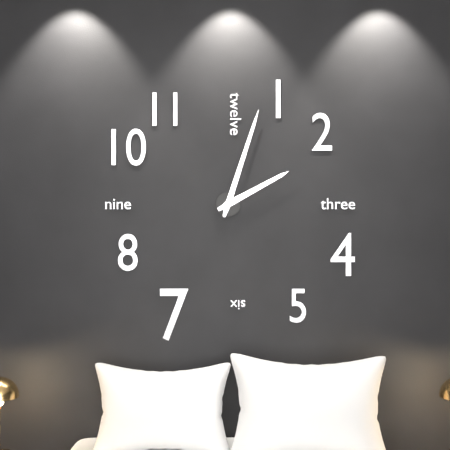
2:03
